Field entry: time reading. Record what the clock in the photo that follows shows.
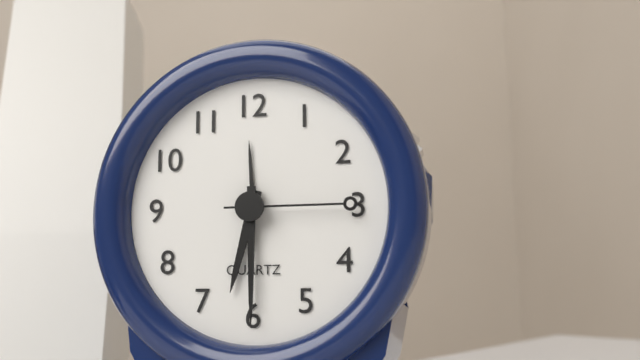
6:30:15
